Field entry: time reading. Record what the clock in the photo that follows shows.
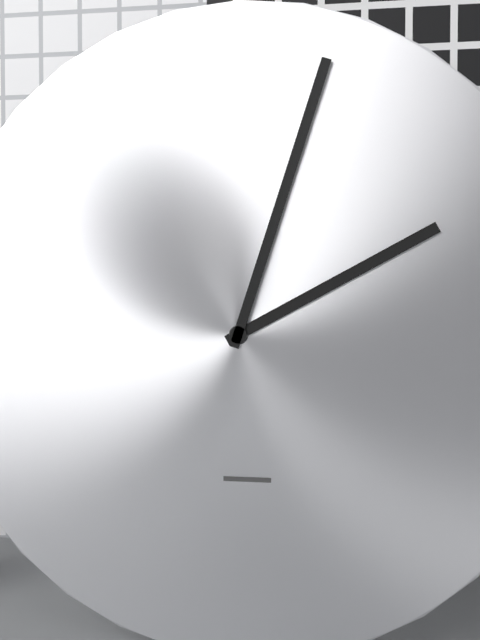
2:03
